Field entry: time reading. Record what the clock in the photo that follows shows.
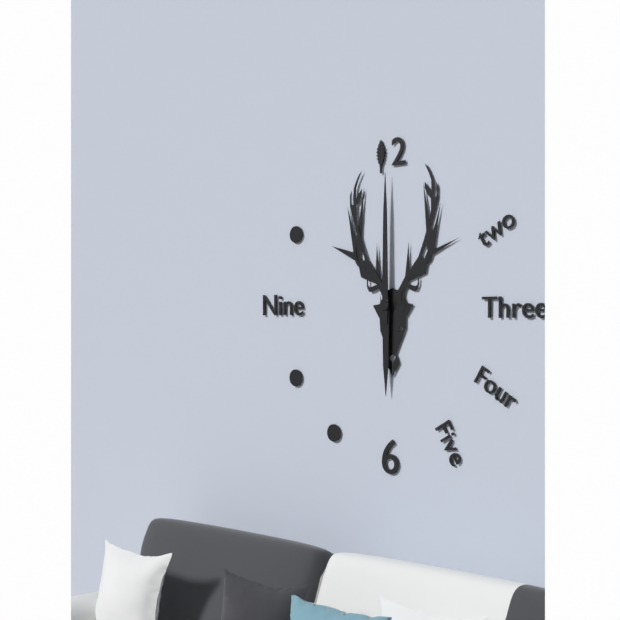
6:00
